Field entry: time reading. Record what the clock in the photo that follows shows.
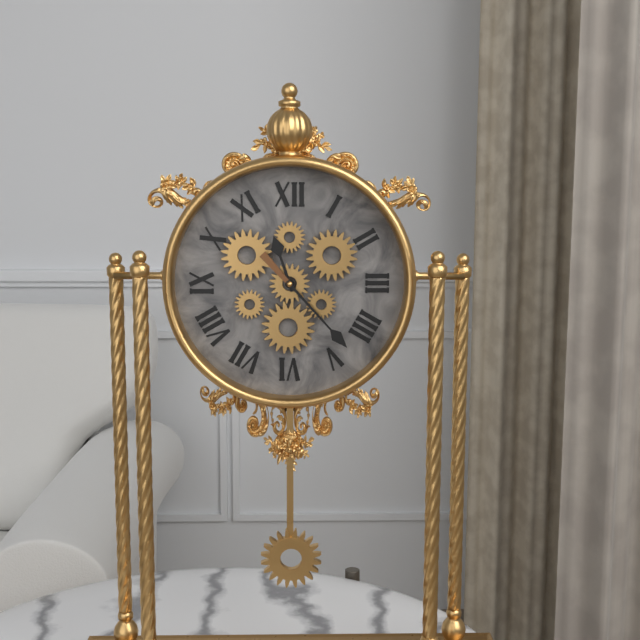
11:23
